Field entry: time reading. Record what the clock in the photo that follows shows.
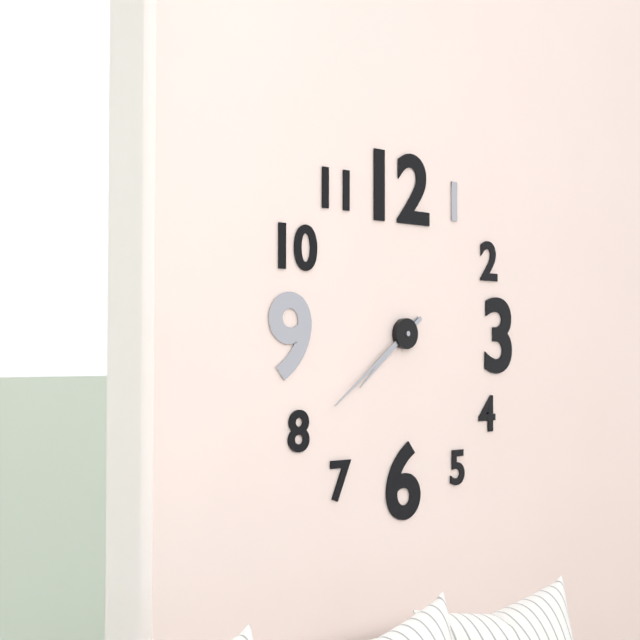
7:39
